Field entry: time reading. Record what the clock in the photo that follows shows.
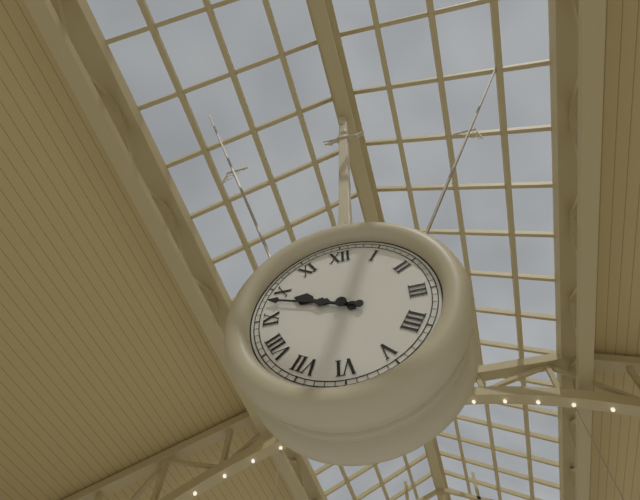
9:48
